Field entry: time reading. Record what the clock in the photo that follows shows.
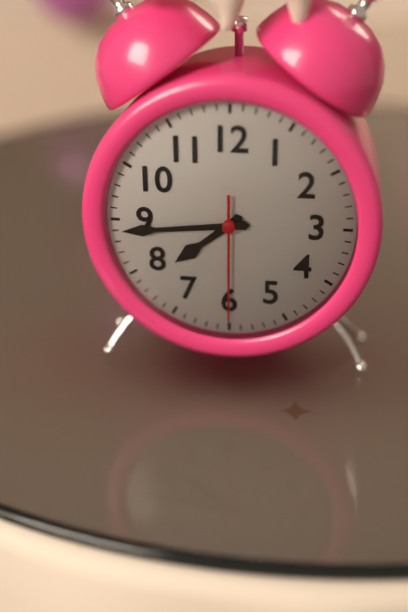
7:44:30
